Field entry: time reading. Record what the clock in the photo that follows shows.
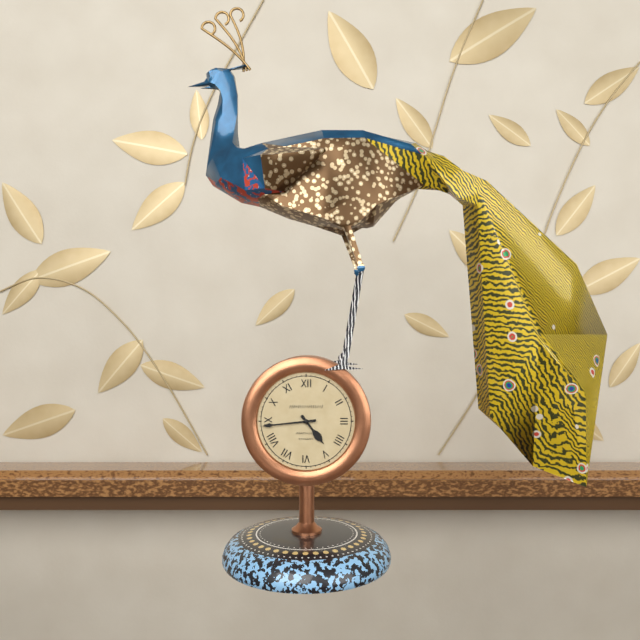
4:44
